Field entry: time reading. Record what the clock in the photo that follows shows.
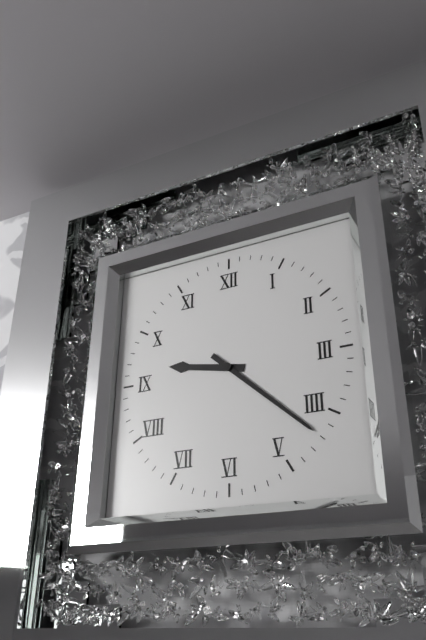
9:22
